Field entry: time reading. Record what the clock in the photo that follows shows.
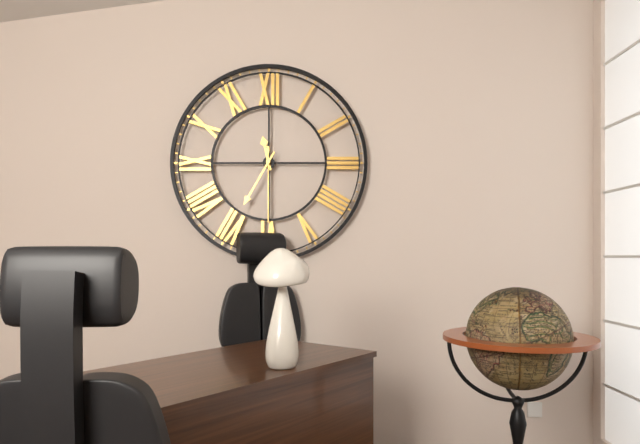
11:35:30
